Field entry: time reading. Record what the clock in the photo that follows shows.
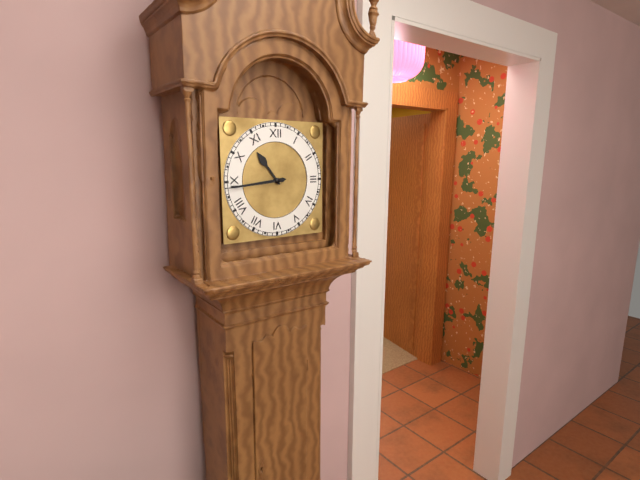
10:44
